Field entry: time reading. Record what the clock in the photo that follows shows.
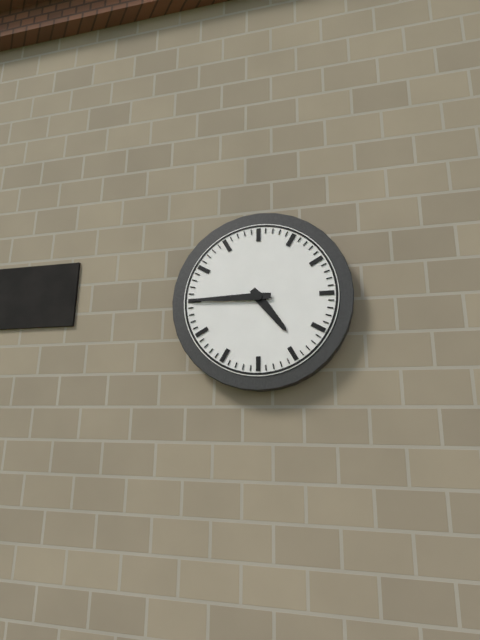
4:45
